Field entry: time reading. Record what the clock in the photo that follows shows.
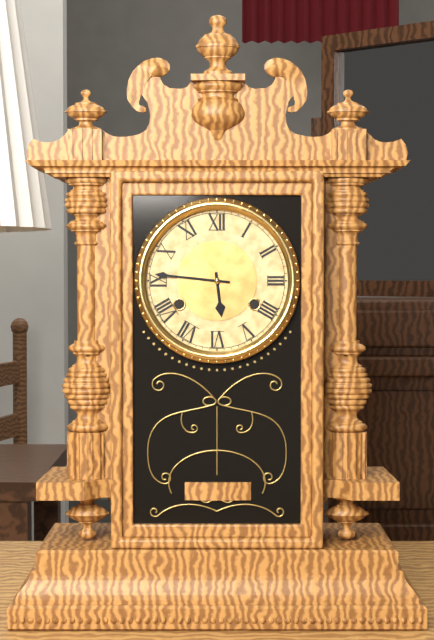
5:46
